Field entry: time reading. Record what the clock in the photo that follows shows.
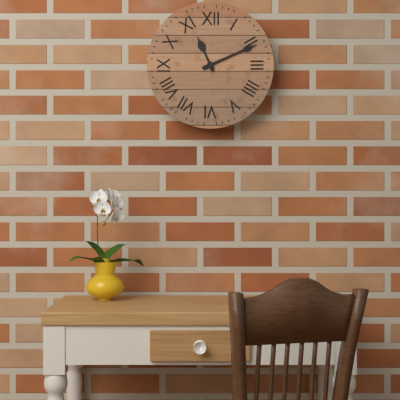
11:11
